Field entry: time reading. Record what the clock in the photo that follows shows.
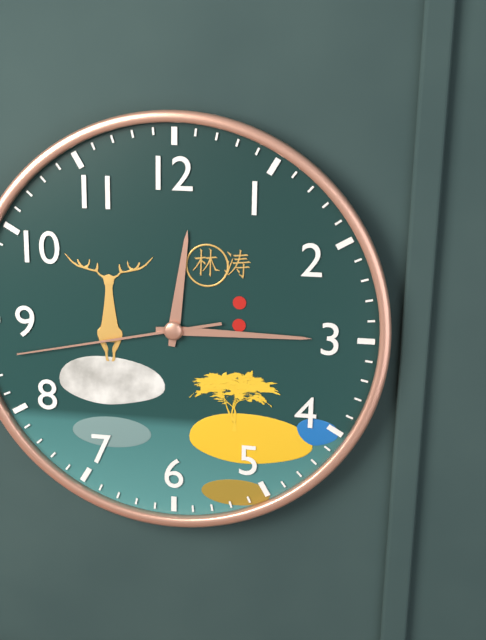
12:15:43
